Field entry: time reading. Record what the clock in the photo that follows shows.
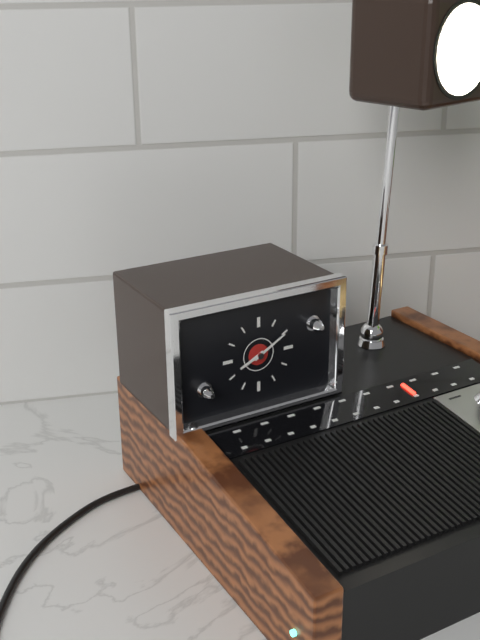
8:10
